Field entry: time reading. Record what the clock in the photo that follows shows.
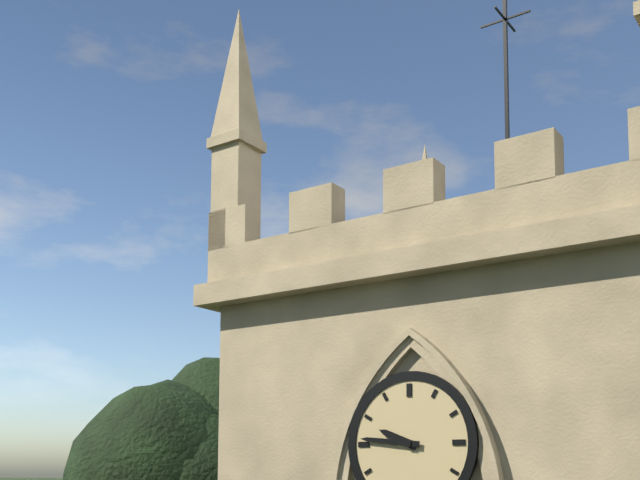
9:46
